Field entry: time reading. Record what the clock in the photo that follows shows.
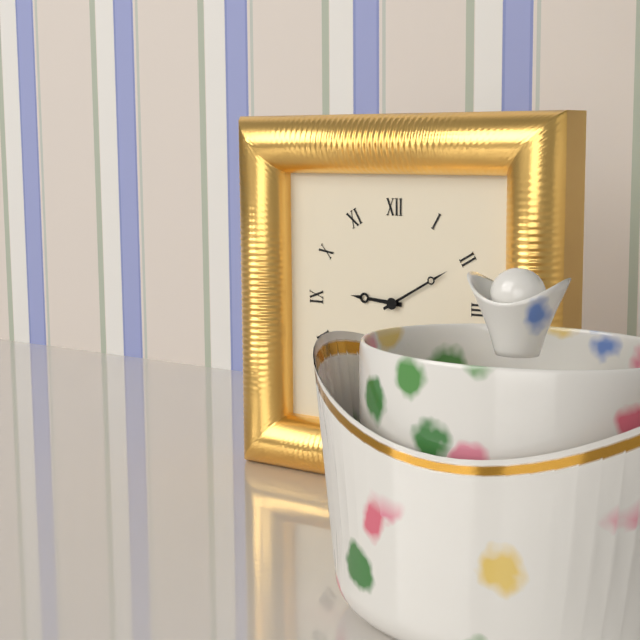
9:10
